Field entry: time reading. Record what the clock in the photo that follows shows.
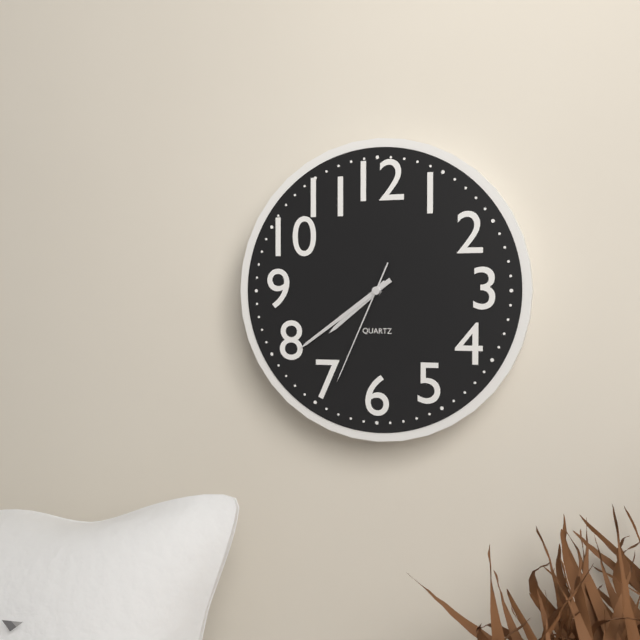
7:39:34
